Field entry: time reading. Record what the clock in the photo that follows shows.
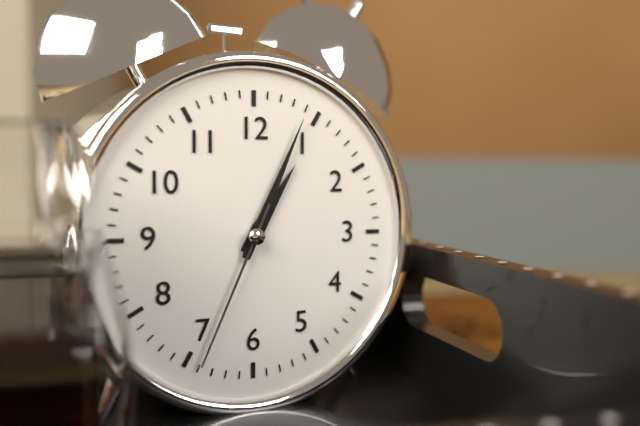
1:04:34
